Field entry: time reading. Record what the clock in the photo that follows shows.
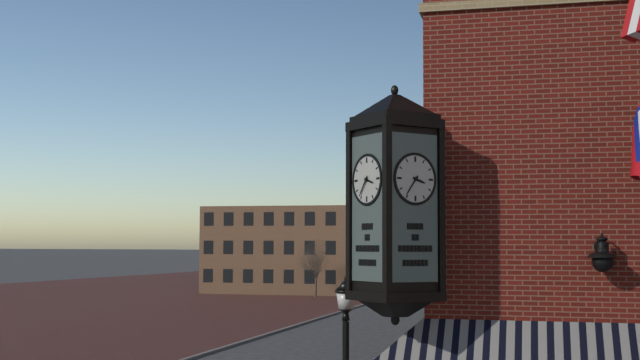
3:36
